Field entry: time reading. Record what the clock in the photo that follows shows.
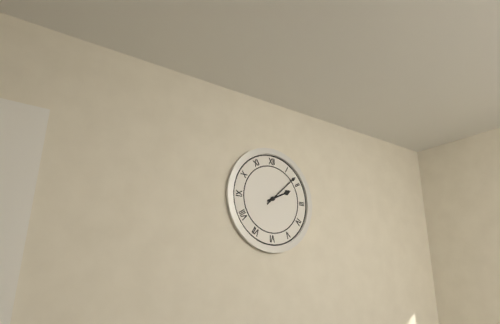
2:08
